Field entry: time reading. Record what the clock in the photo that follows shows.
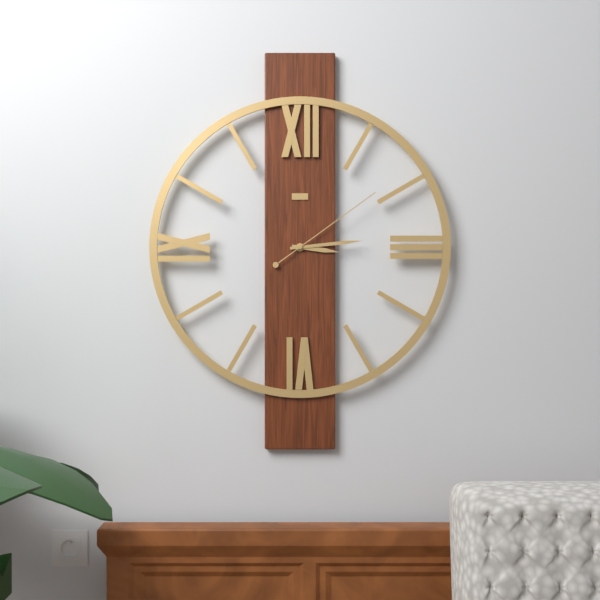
3:14:09
